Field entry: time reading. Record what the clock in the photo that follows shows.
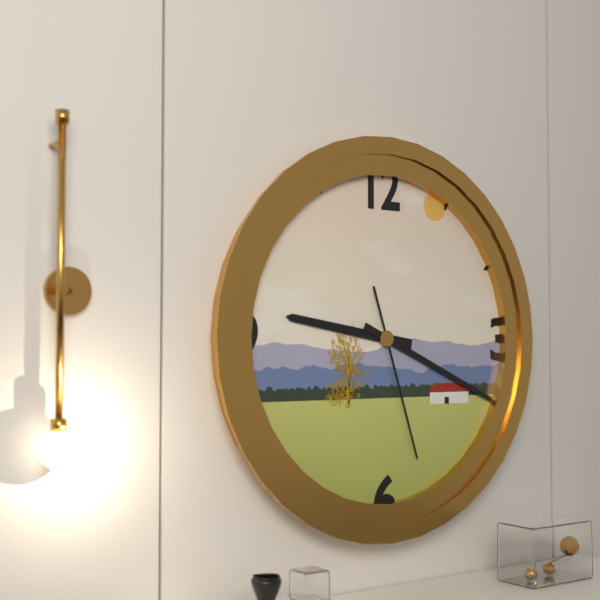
9:19:27
